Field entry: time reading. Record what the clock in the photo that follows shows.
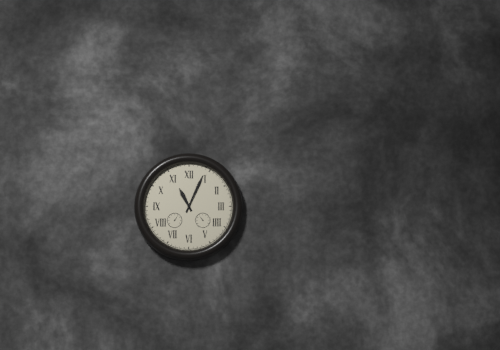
11:04
